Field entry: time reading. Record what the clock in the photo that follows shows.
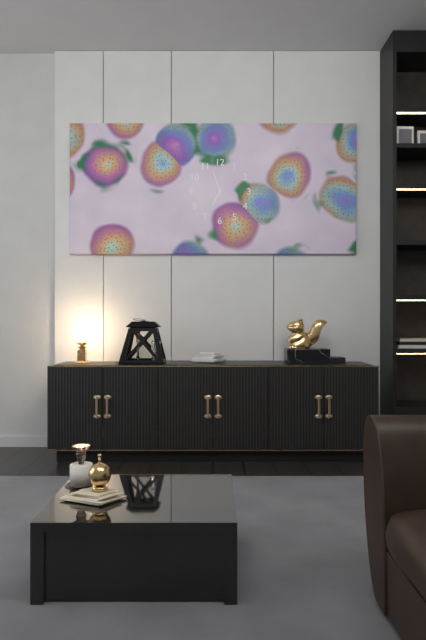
6:57
